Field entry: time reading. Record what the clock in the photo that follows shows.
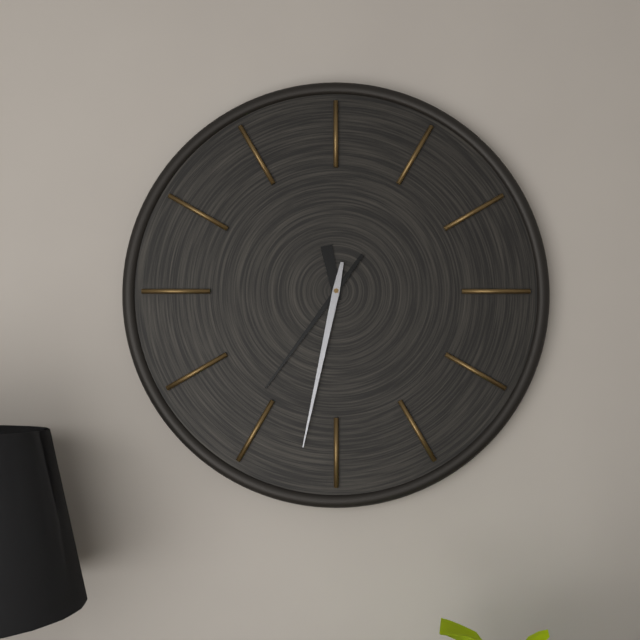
11:36:32
